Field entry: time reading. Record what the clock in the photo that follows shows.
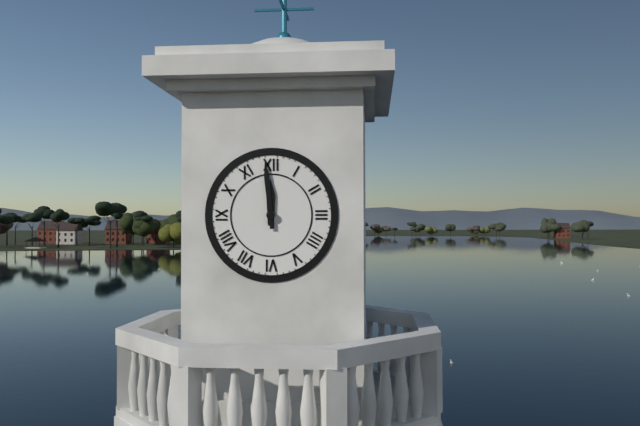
11:59
